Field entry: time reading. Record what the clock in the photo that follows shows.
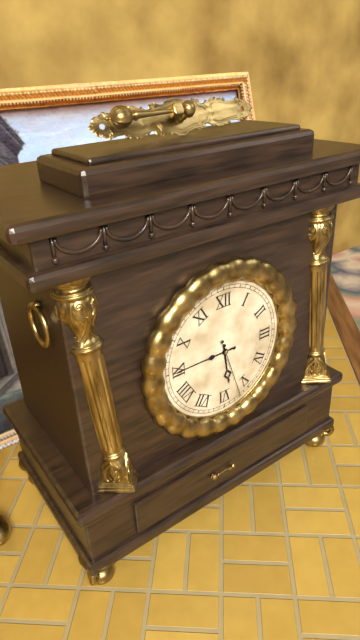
5:45:27
